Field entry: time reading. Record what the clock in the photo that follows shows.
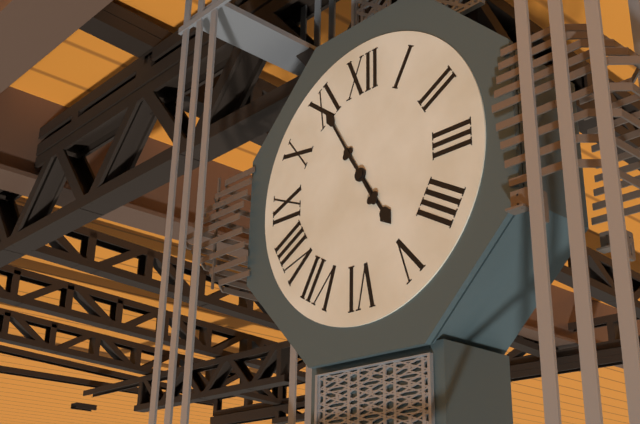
4:55
